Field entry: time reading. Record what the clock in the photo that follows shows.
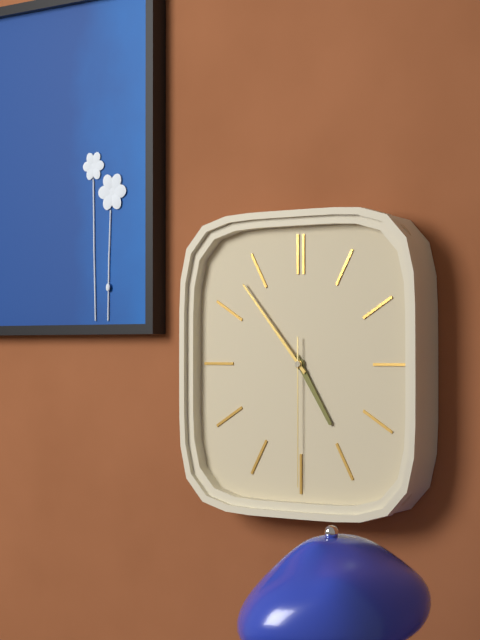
4:53:30
